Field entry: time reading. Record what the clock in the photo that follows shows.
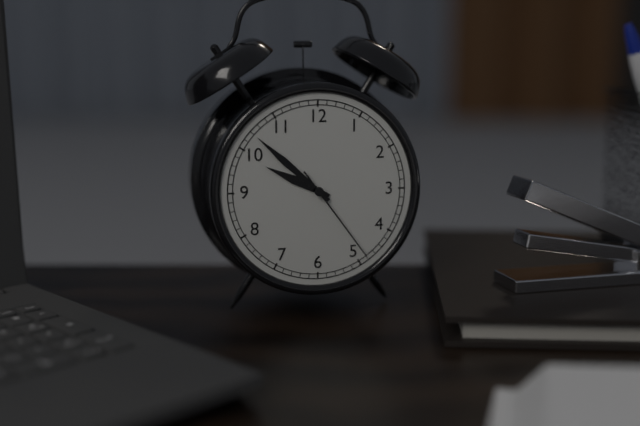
9:52:24
